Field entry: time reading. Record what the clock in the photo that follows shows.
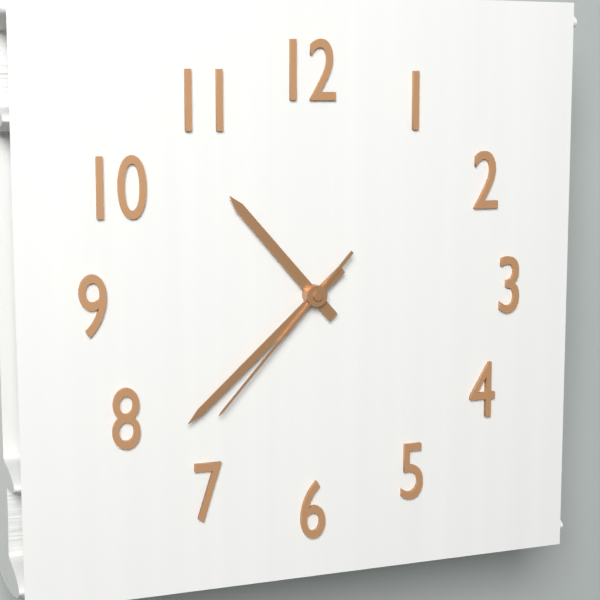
10:38:37
